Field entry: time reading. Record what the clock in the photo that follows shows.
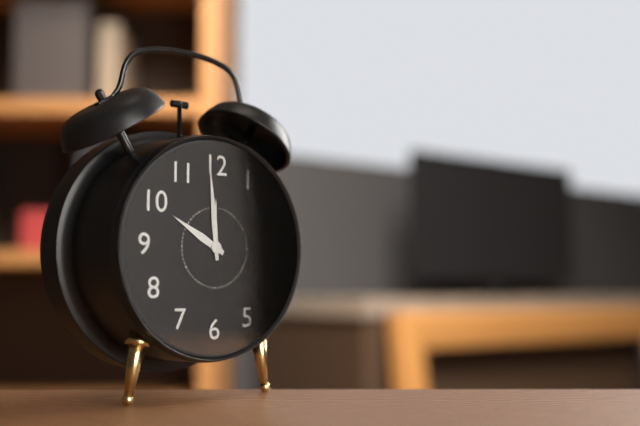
9:59
